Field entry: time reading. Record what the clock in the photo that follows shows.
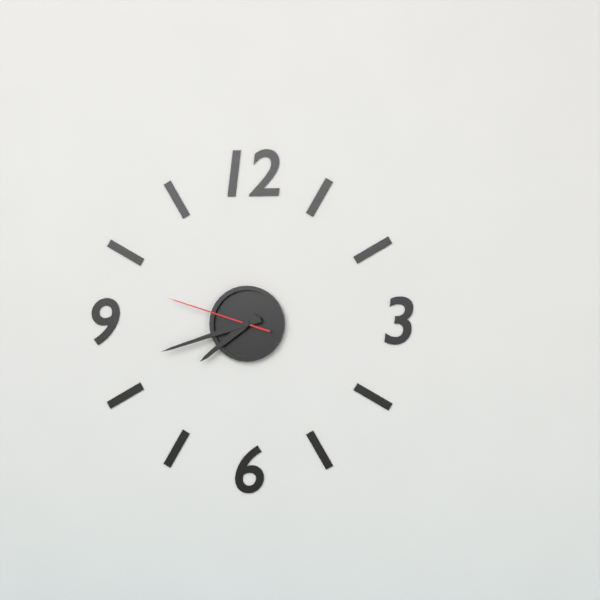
7:42:48
